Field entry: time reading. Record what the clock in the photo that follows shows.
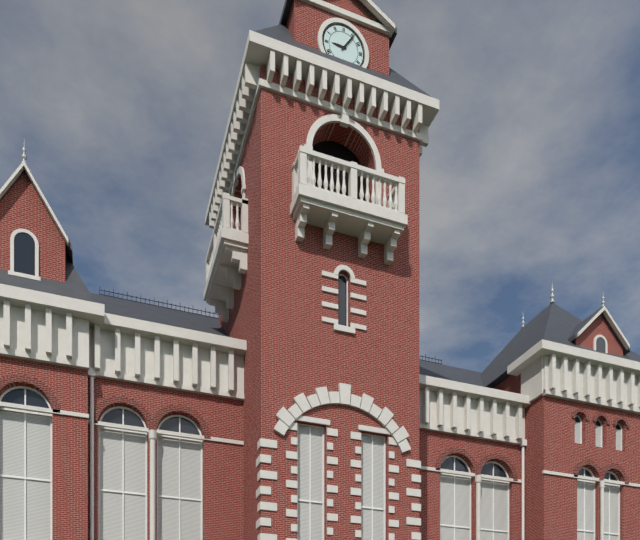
9:06
